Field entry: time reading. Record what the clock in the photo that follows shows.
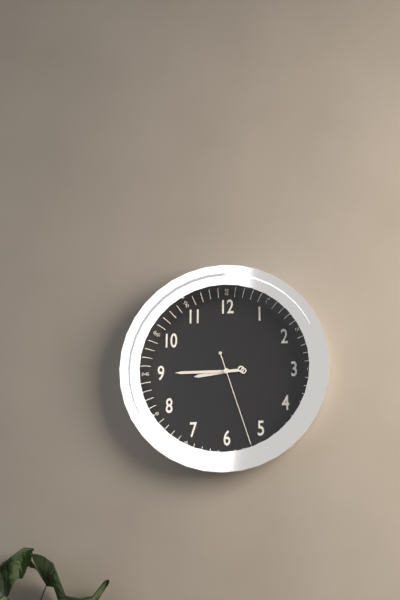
8:45:27
